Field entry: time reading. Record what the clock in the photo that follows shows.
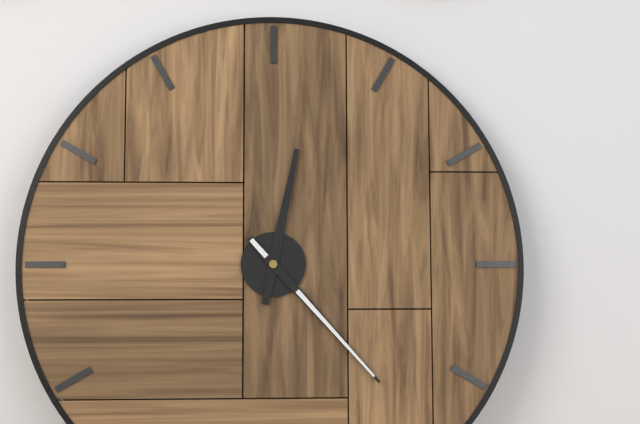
12:23
